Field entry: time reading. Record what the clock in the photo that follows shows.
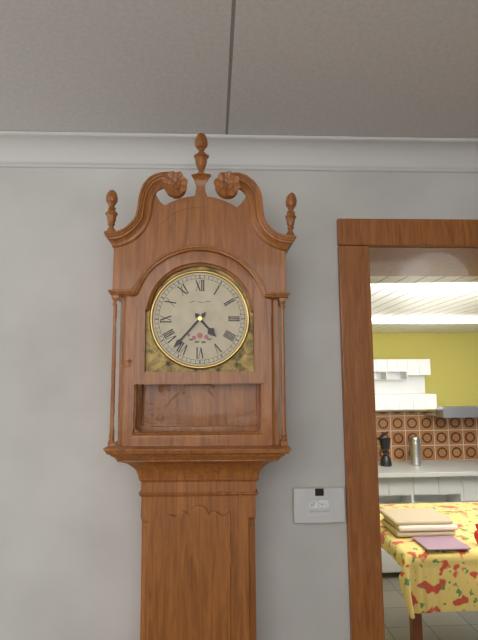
4:37
